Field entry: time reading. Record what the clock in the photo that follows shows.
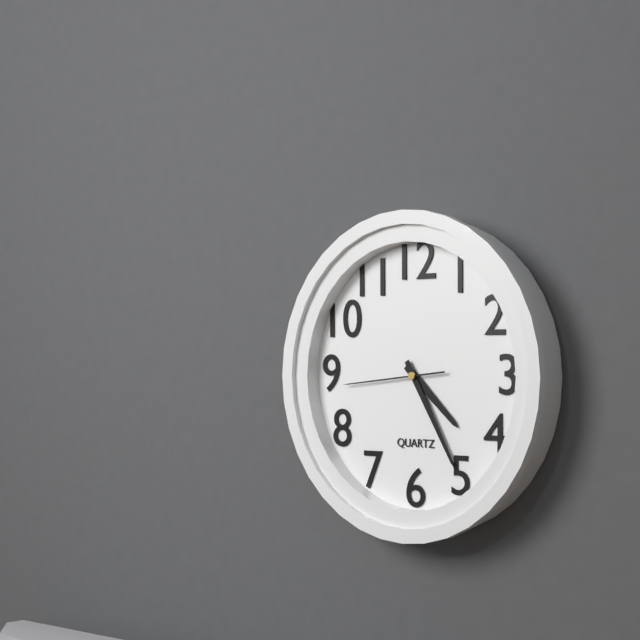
4:25:44
